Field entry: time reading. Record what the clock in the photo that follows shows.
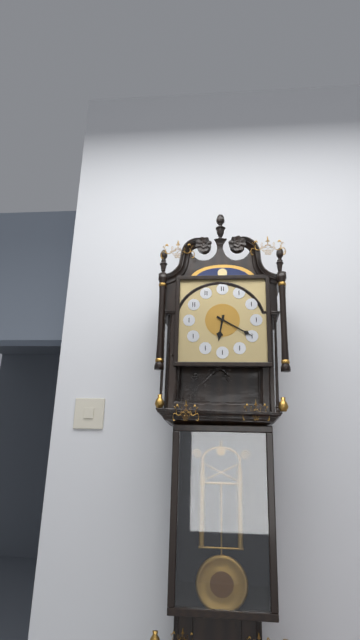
6:20
